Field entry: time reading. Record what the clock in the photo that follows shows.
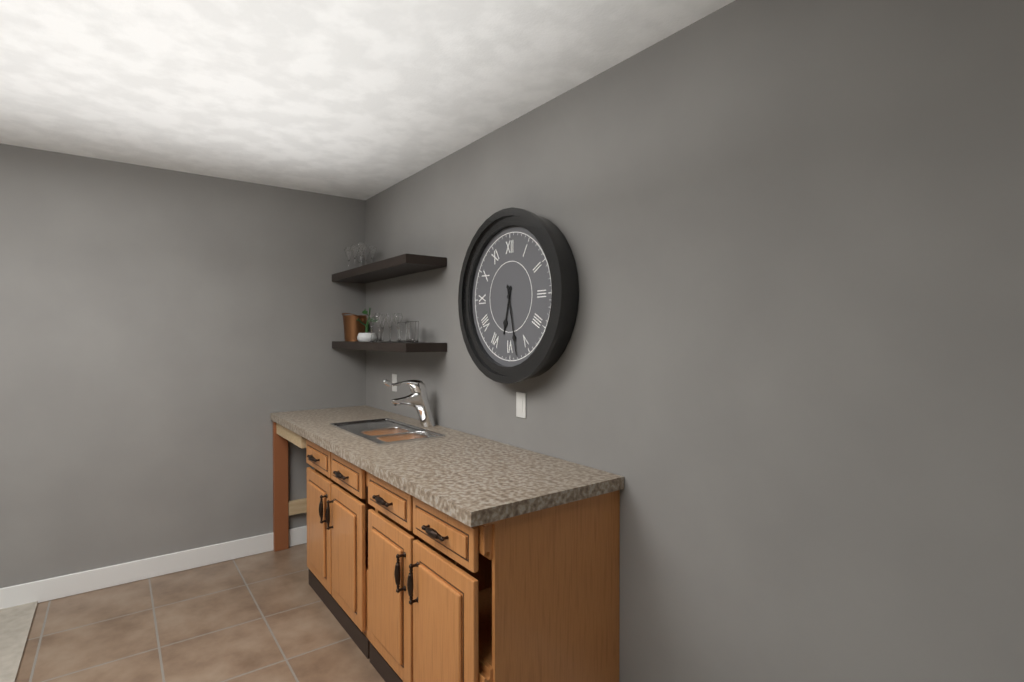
6:28
